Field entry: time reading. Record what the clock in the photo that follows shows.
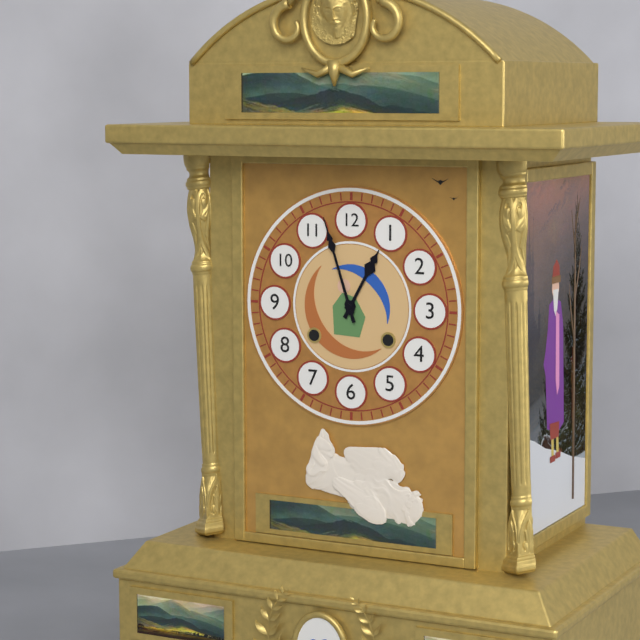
12:57
